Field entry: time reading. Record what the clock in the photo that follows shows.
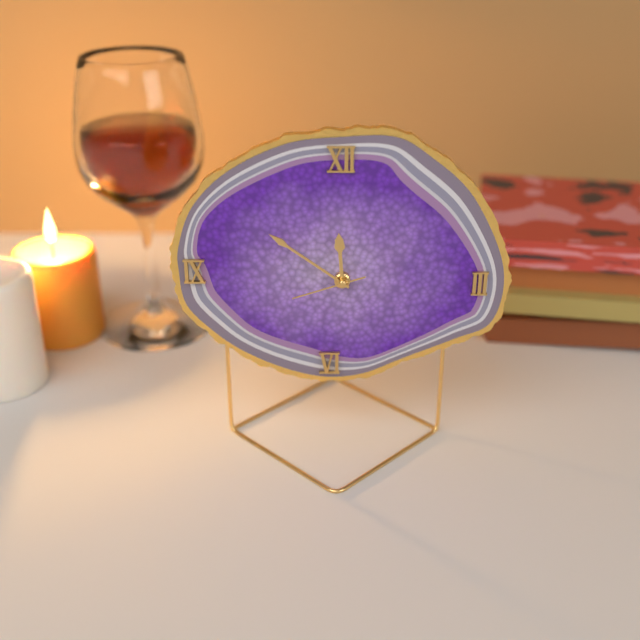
11:51:42
